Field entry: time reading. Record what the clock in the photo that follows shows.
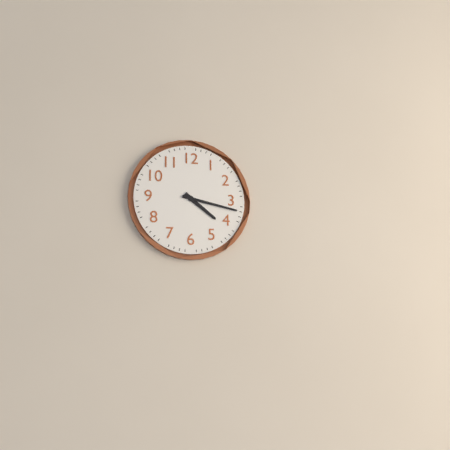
4:17
